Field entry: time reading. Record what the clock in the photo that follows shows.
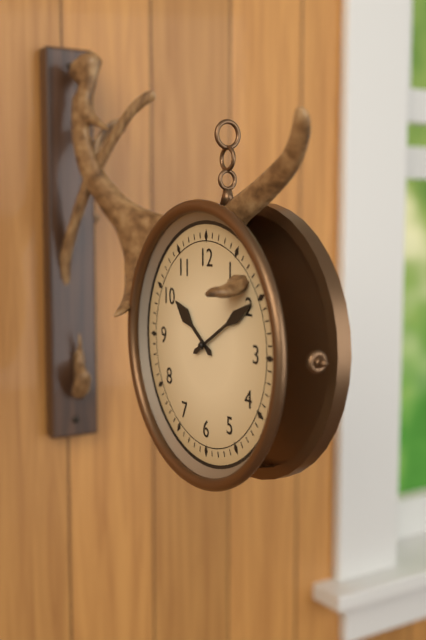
10:10
